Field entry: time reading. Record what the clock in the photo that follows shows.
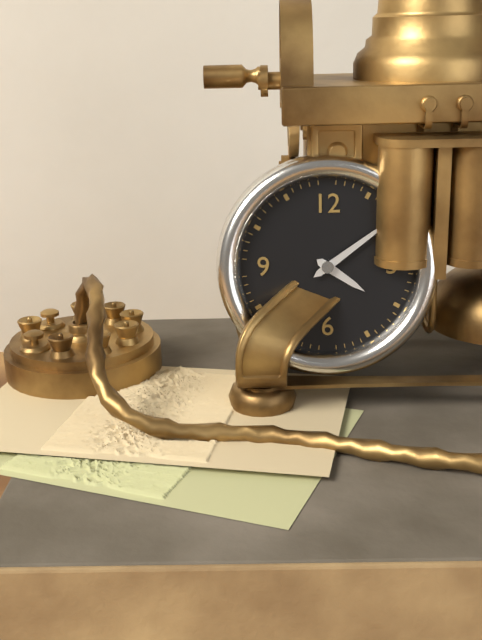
4:09
